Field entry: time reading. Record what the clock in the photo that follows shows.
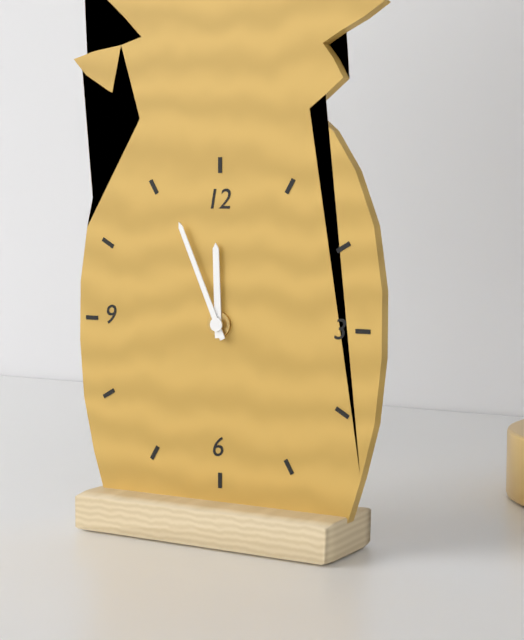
11:56
